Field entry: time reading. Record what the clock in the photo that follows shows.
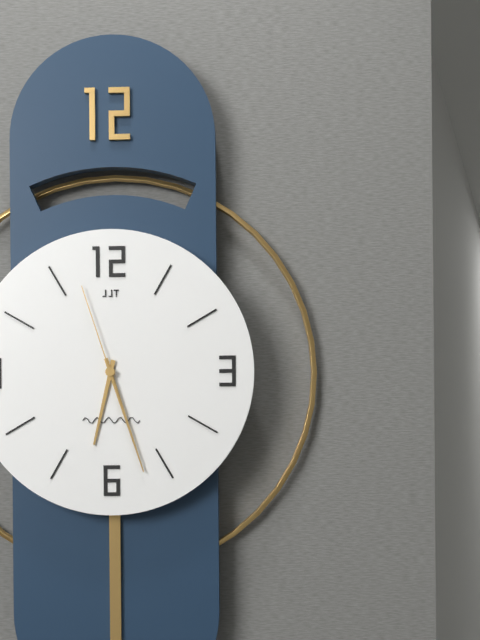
6:27:57
